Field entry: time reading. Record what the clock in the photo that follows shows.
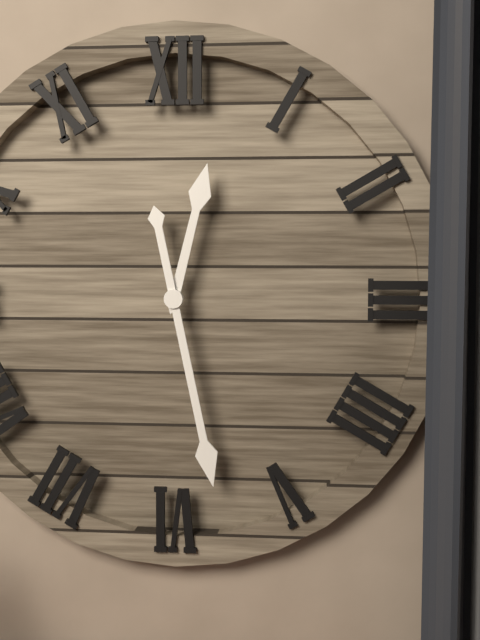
12:28
